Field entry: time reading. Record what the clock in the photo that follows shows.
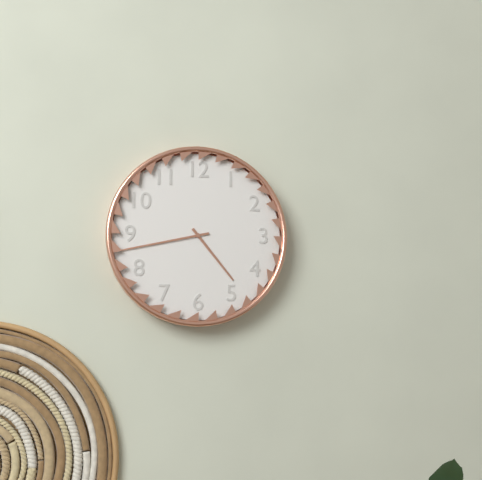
4:43
